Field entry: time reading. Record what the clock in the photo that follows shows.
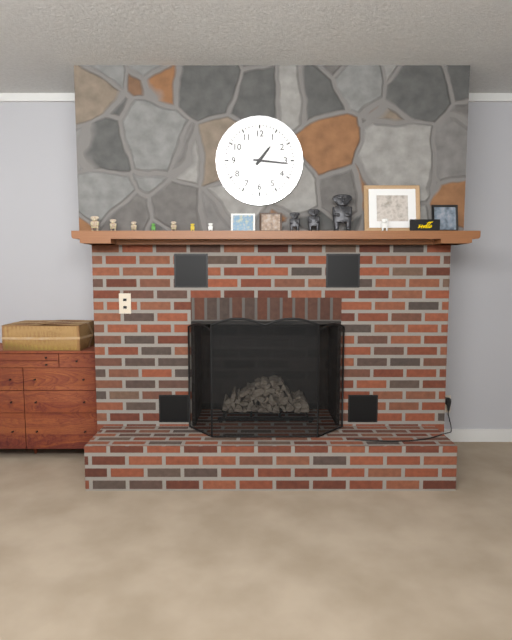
1:16
